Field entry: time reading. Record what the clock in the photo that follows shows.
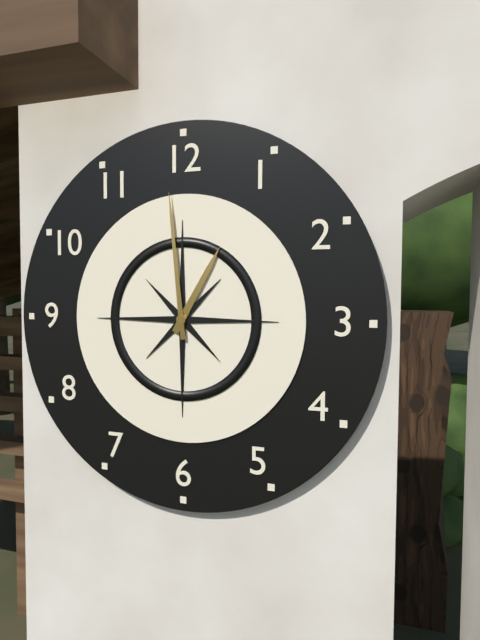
12:59
